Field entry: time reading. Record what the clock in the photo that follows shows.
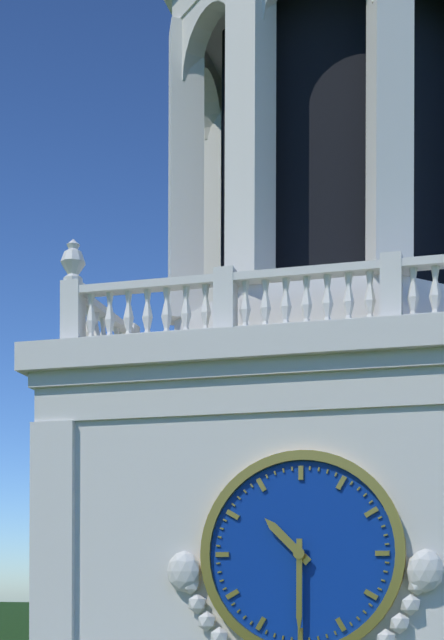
10:30
